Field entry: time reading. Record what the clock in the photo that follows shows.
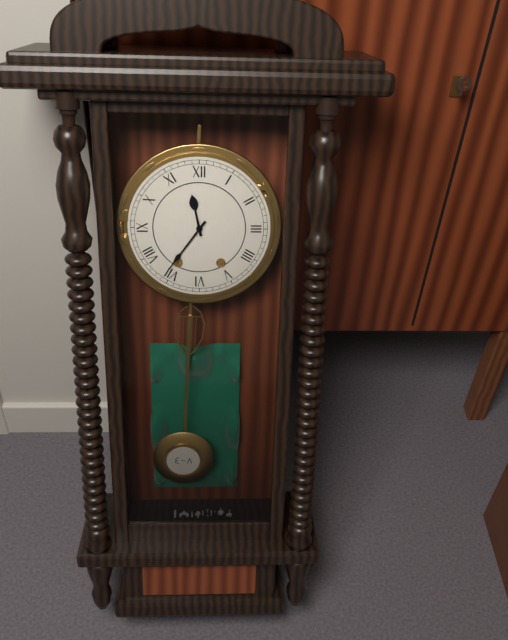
11:36
